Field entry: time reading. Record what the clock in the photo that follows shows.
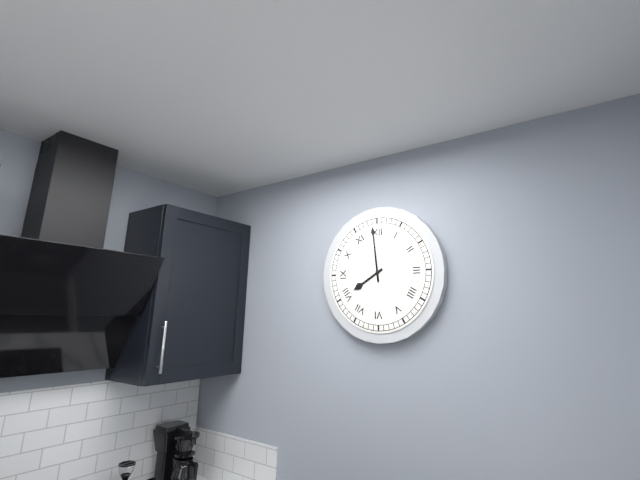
7:59
